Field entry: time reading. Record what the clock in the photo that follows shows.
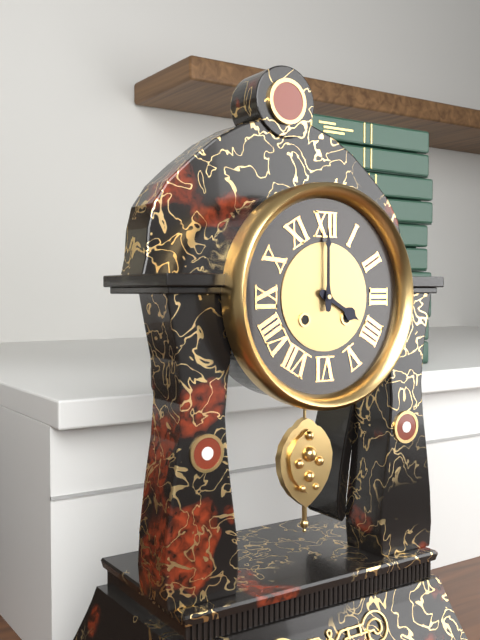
4:00
